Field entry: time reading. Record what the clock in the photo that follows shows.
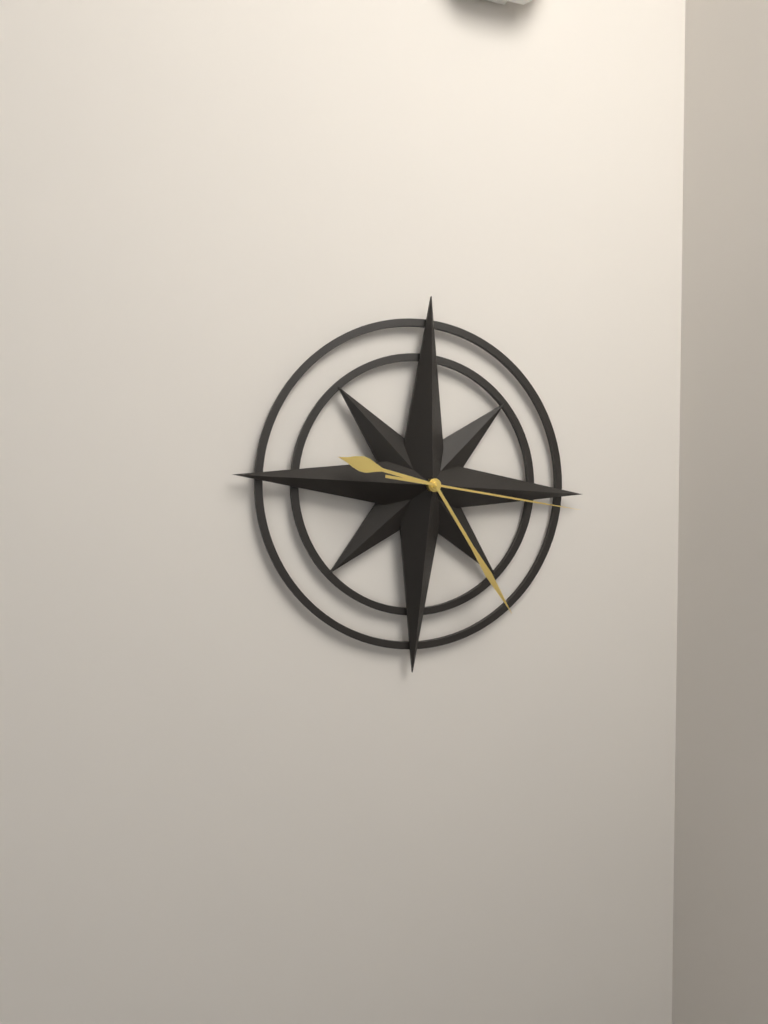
9:24:16
